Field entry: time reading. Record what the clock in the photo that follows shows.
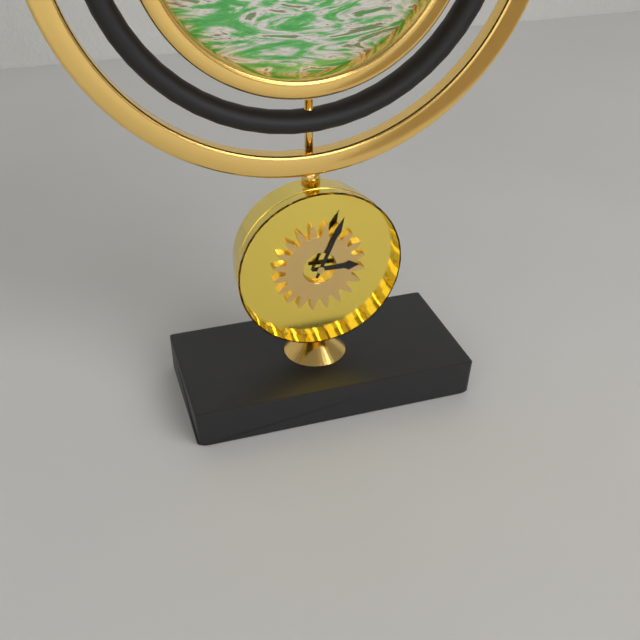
3:04
